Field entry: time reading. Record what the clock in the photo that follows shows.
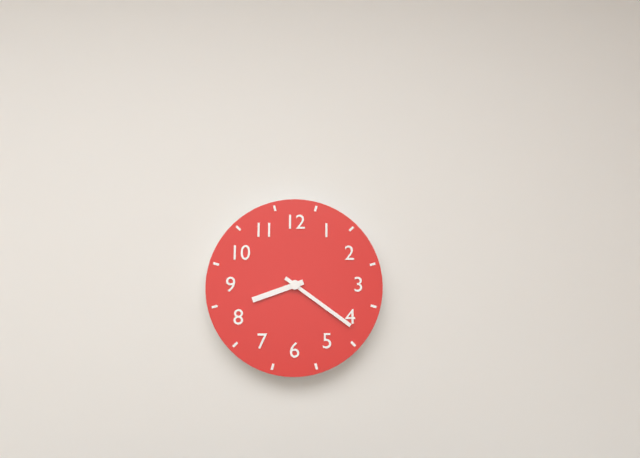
8:21
